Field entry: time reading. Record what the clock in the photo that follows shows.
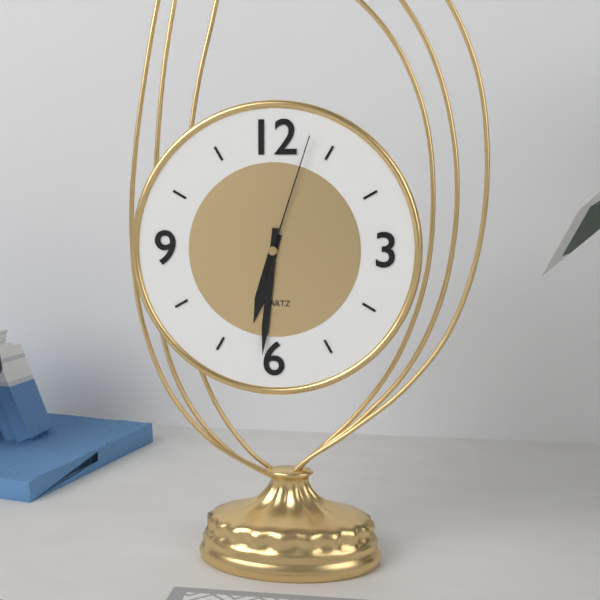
6:31:03
